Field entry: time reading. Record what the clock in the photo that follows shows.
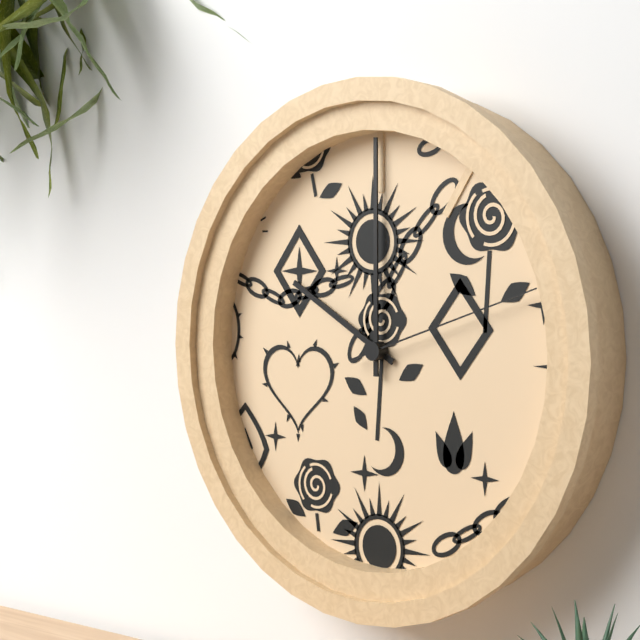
10:00:12
